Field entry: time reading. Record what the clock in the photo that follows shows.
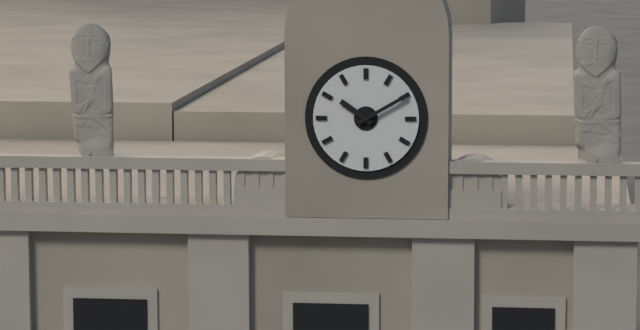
10:10
